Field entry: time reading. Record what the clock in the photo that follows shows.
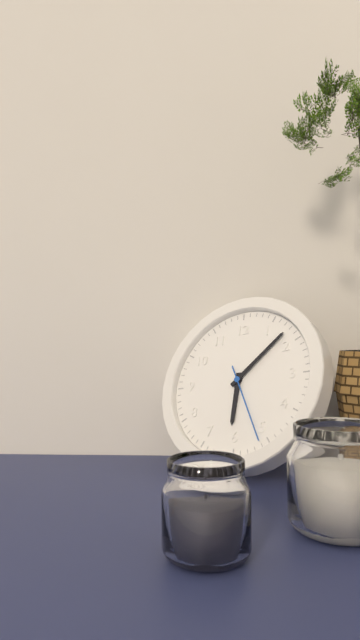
6:08:26
